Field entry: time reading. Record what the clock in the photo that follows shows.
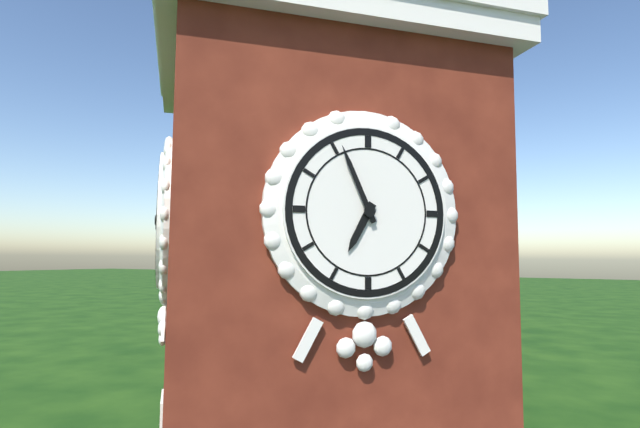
6:56
